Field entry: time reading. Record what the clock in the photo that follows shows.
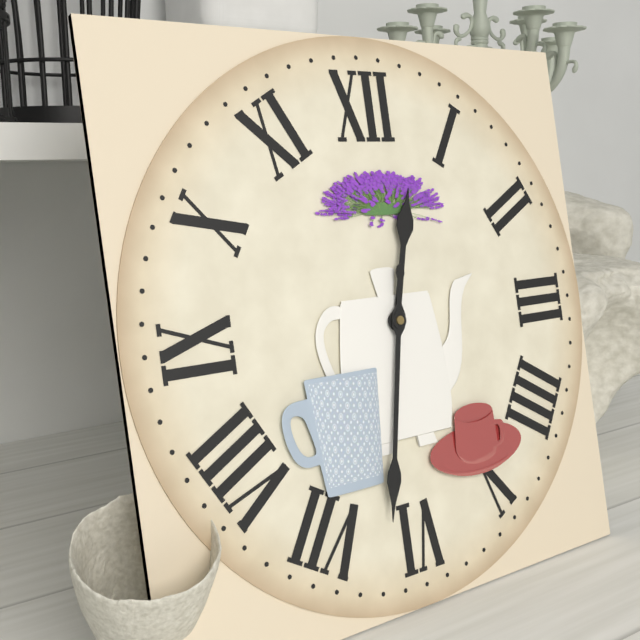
12:32
